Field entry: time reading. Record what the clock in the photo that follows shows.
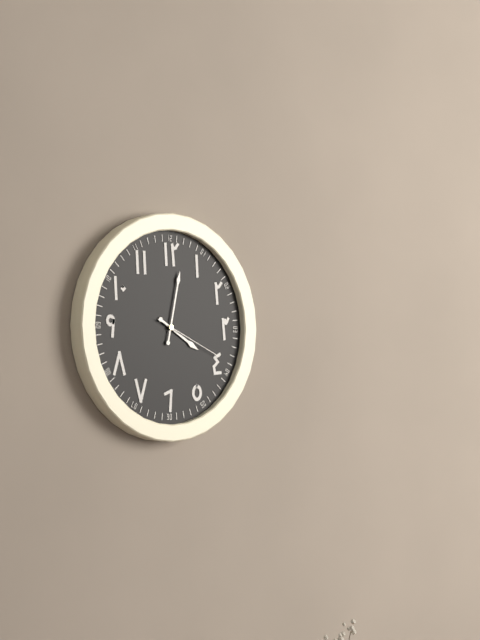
4:02:19
